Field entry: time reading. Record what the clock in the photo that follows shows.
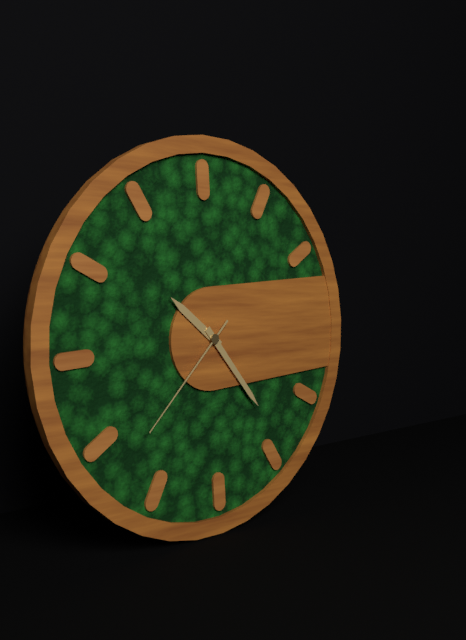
10:24:38
